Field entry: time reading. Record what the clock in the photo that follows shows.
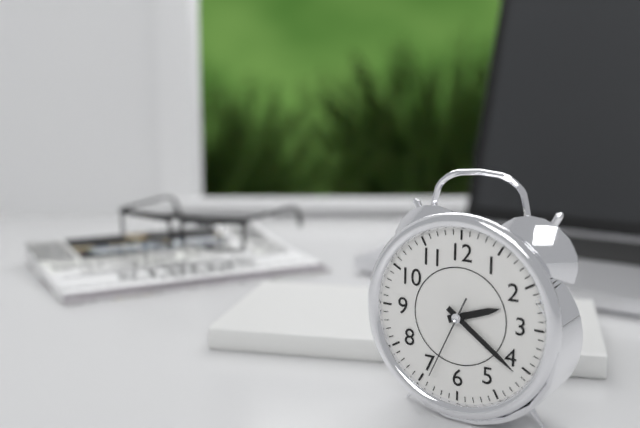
2:21:34
